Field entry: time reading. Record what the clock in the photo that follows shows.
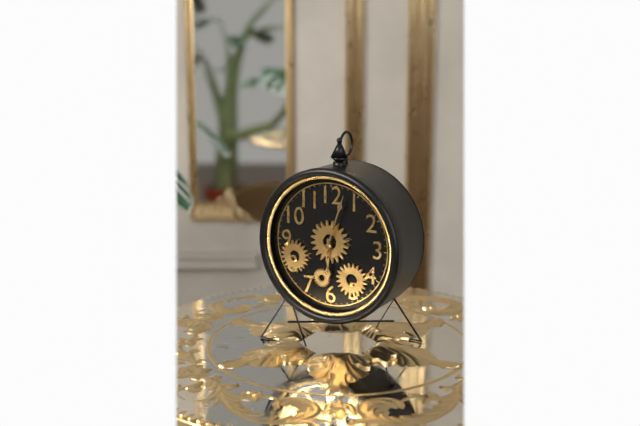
6:03
